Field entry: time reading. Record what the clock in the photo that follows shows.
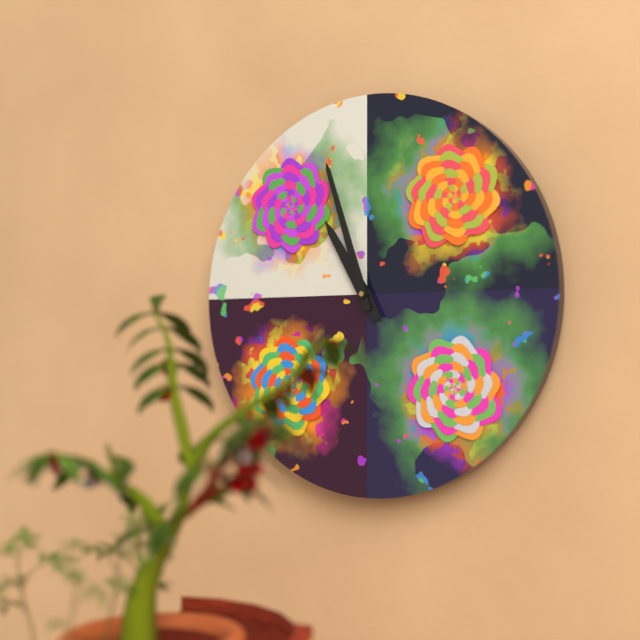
10:57
